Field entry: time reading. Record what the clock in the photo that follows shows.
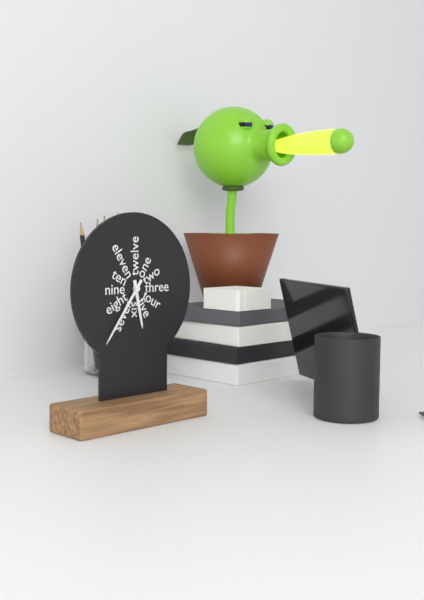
5:36
